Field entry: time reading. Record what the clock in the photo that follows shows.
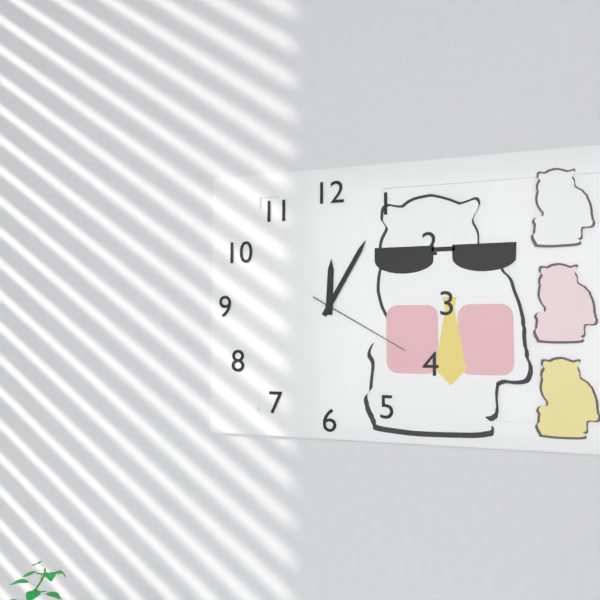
12:05:20
